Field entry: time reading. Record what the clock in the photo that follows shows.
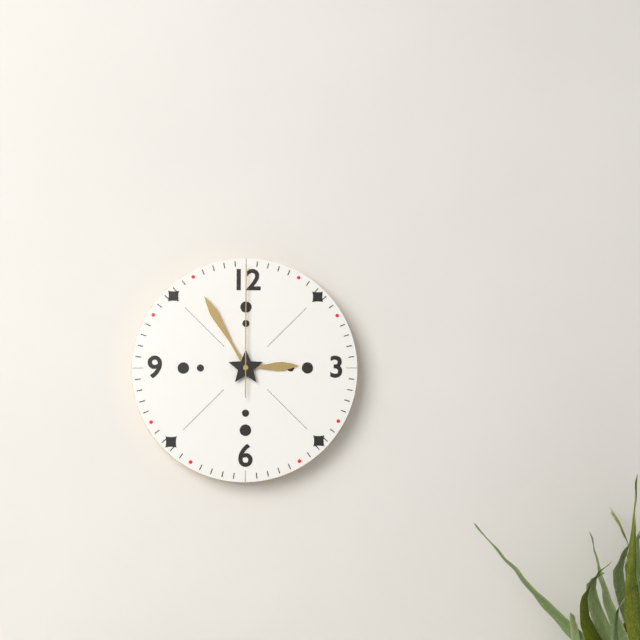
2:55:00
